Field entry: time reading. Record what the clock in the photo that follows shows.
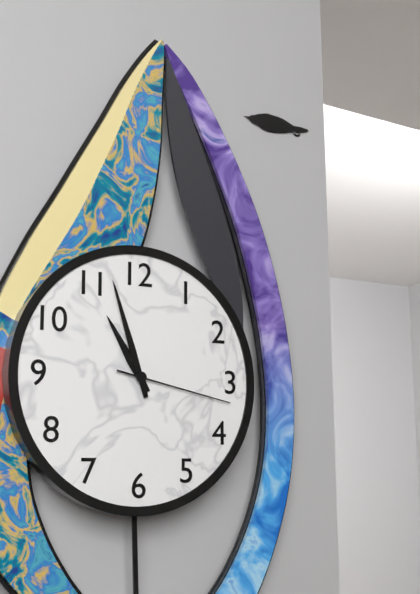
10:57:17
